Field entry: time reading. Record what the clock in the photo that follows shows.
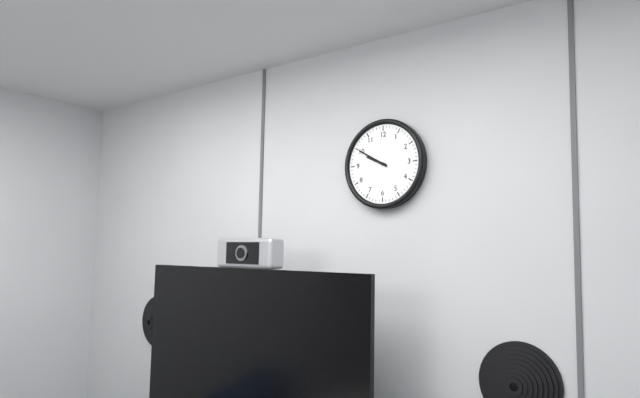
9:50
